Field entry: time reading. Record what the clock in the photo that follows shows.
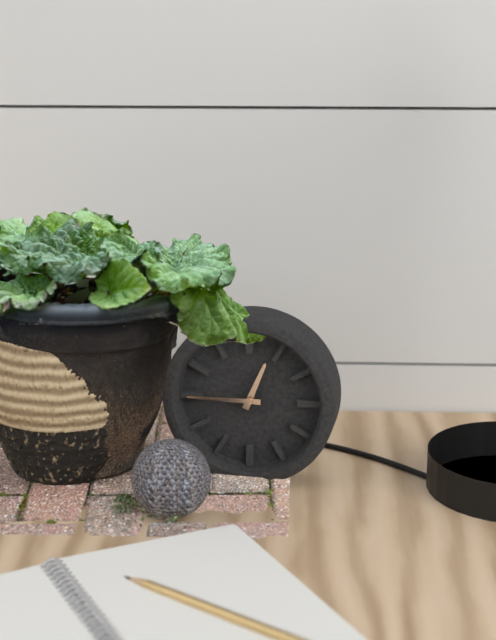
12:45
